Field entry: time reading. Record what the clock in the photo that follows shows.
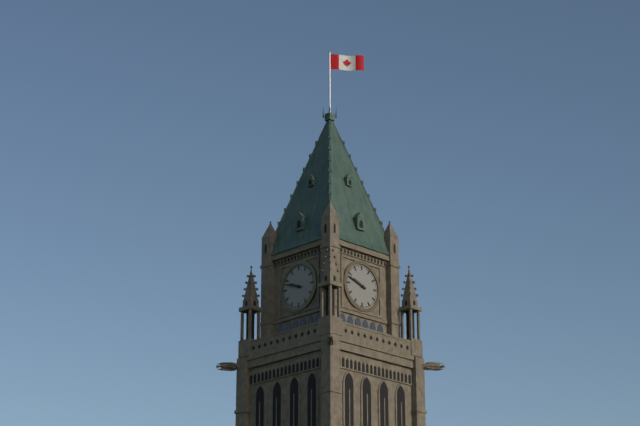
9:48
